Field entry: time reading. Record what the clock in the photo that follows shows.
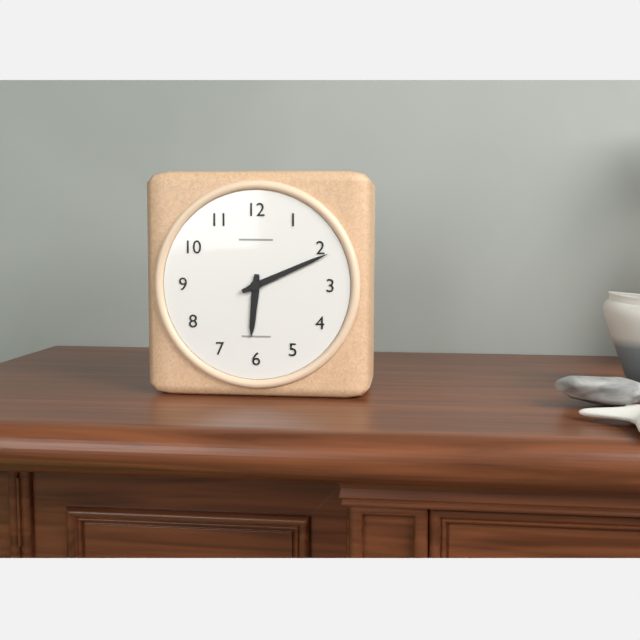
6:11
